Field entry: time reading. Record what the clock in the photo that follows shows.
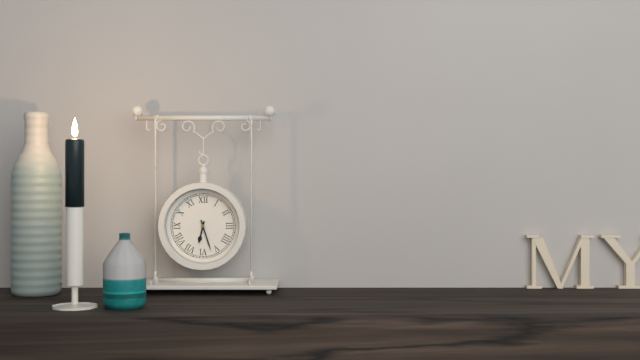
6:27
